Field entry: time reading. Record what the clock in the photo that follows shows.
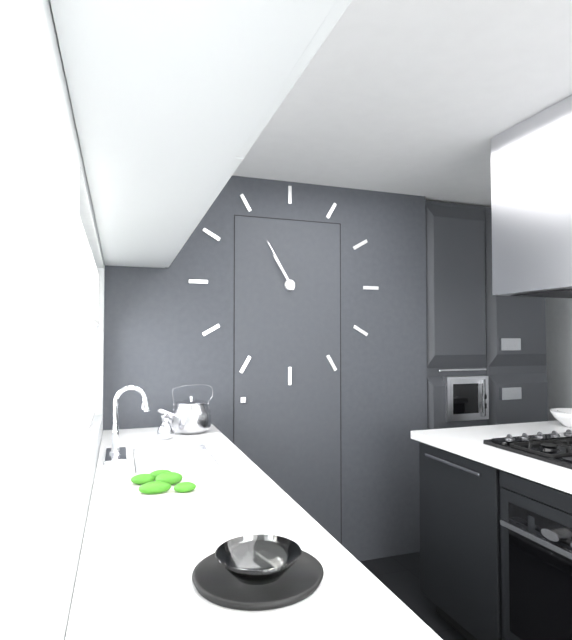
10:55
